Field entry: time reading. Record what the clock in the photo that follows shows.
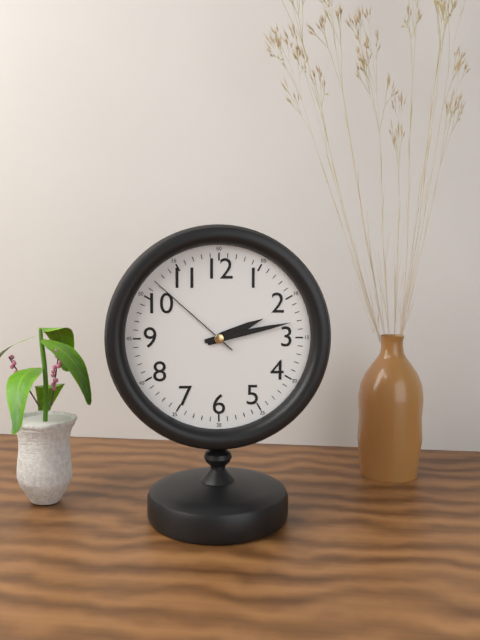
2:13:52
